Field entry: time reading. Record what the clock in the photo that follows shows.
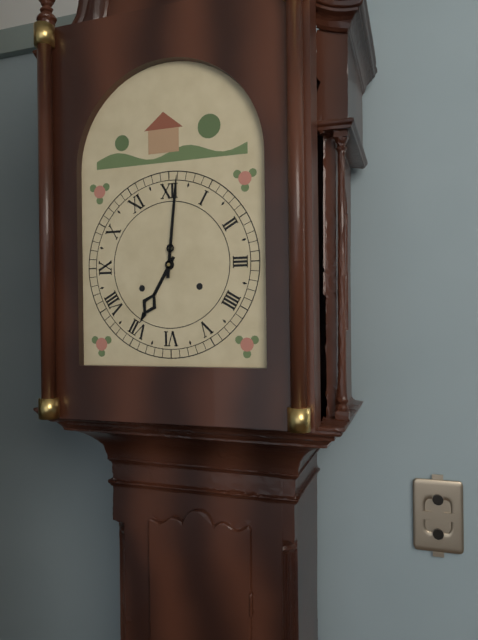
7:01
